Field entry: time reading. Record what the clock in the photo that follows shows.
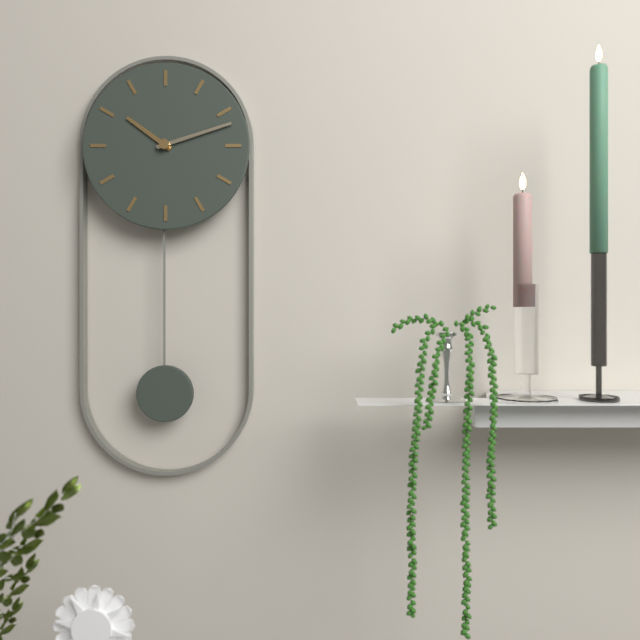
10:12
